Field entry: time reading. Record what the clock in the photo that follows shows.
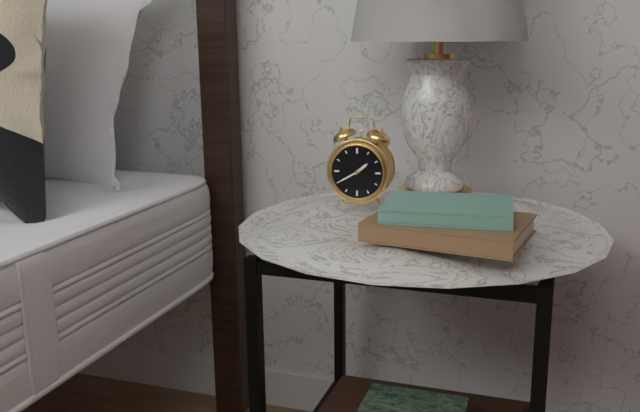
1:40
